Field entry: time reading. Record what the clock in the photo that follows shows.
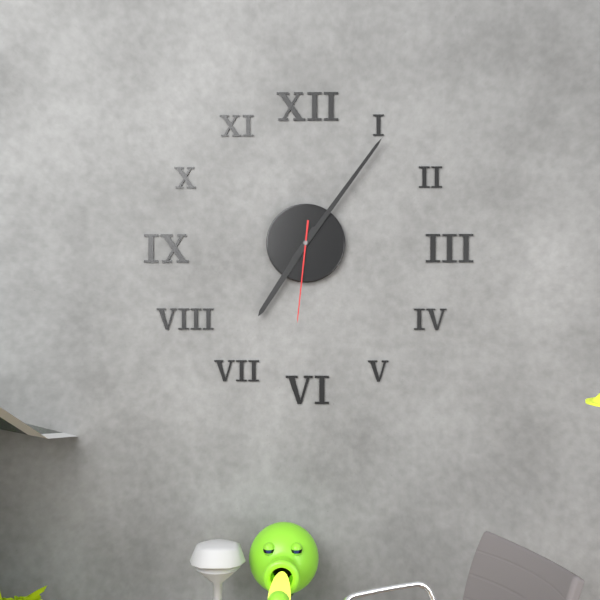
7:06:31
